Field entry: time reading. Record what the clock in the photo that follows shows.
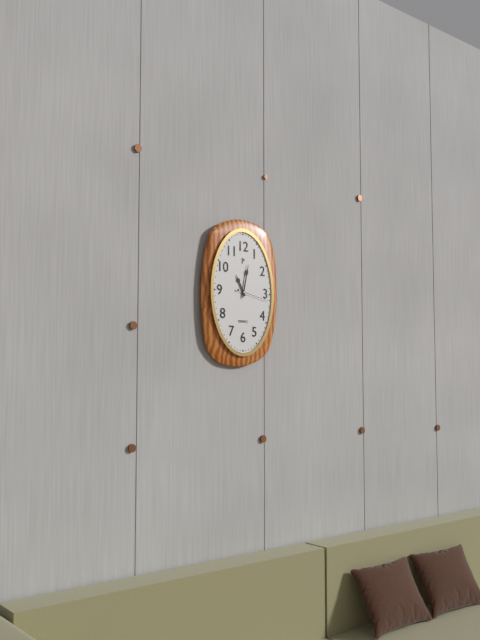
11:02
